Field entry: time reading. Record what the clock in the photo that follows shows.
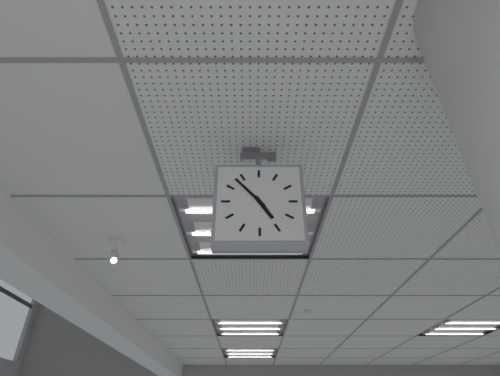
4:53
